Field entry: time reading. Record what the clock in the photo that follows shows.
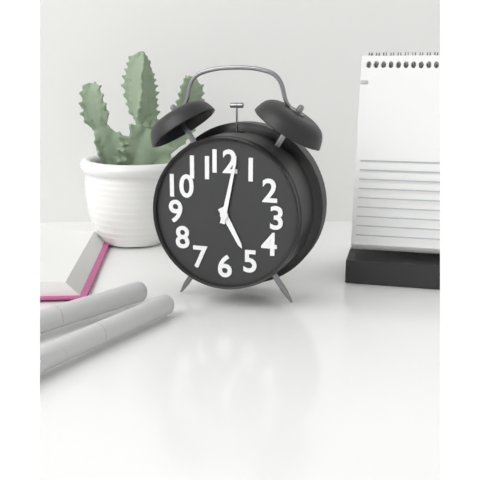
5:02
